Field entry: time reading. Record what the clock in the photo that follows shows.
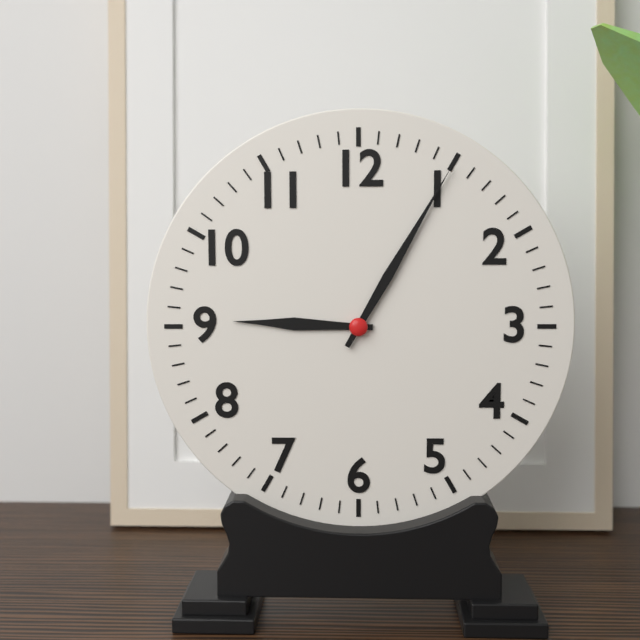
9:05
